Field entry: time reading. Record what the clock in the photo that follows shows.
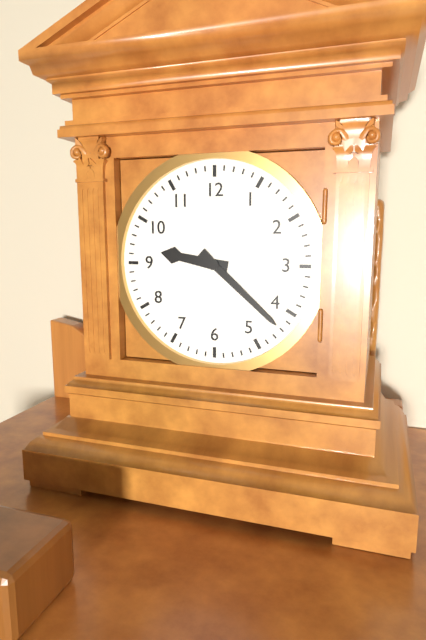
9:22
